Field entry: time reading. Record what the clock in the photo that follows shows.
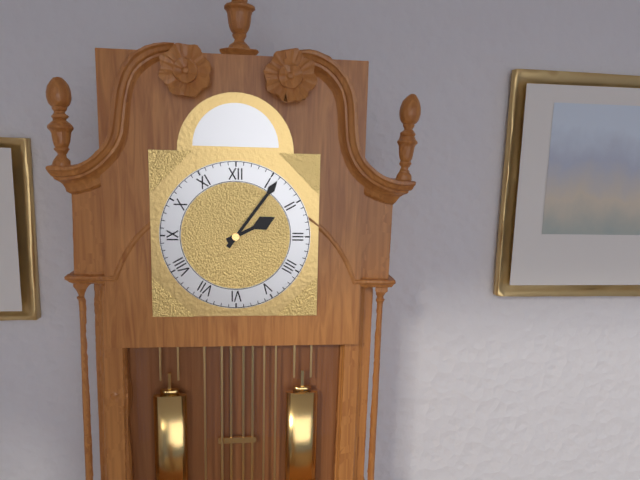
2:06
